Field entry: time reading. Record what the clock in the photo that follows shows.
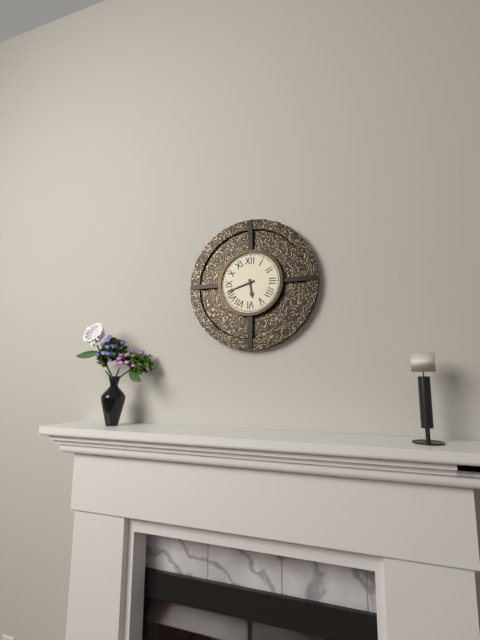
5:42
